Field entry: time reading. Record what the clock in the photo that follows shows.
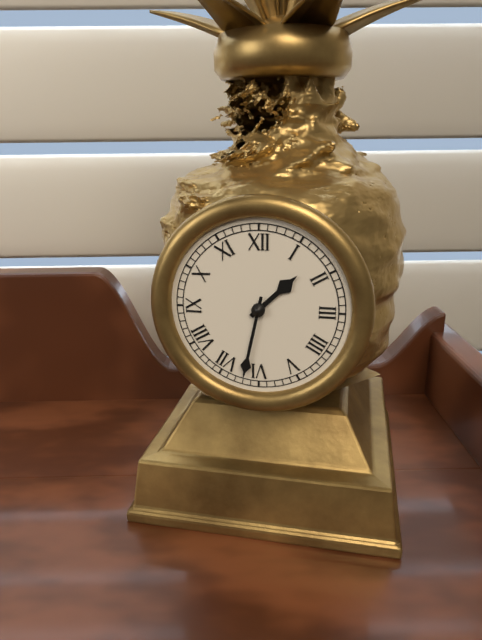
1:32
